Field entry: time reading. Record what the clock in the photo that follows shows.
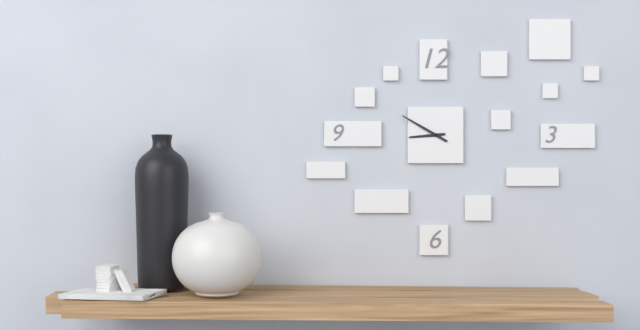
8:50
